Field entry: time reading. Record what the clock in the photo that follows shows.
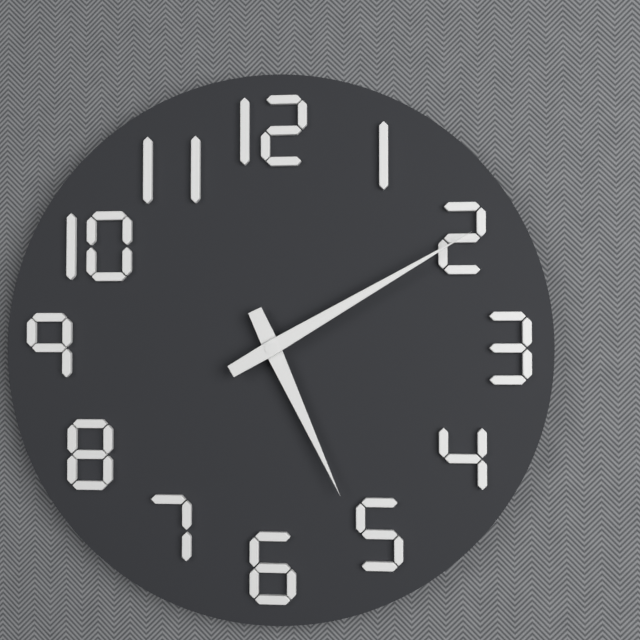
5:10
